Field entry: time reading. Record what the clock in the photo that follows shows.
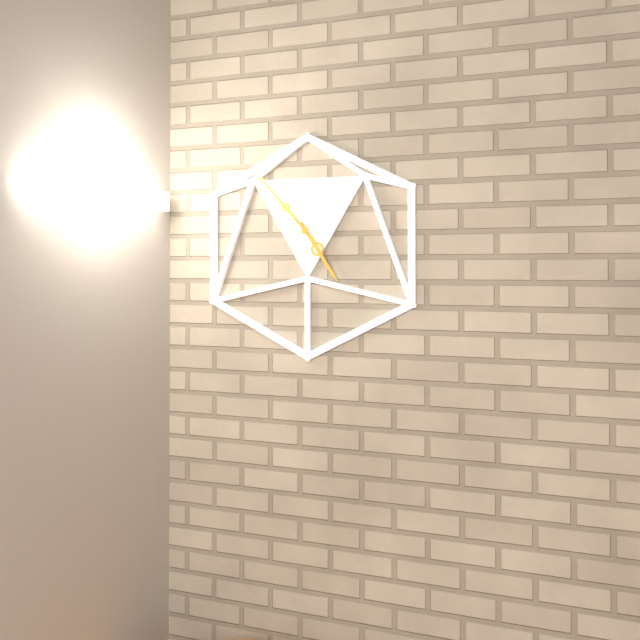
4:53
